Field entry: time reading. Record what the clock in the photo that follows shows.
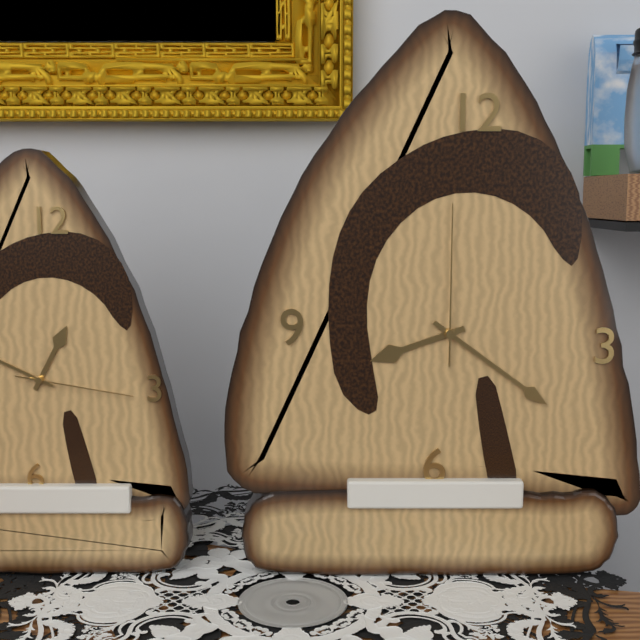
8:21:00
